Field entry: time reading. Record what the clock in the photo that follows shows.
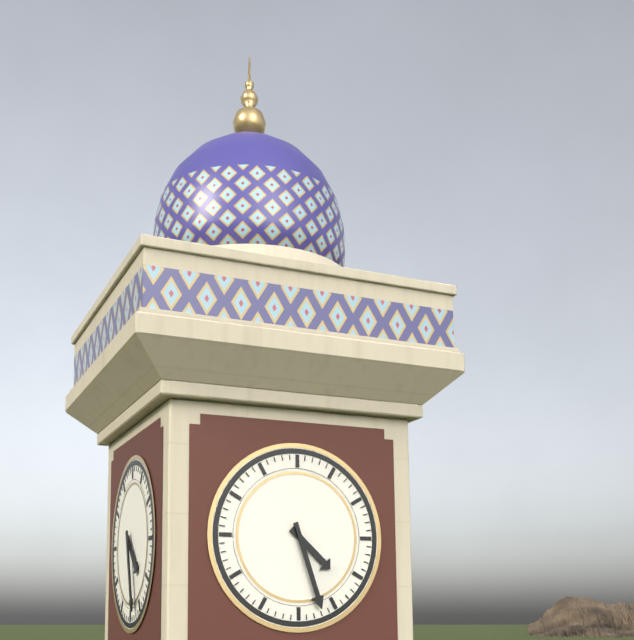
4:27
